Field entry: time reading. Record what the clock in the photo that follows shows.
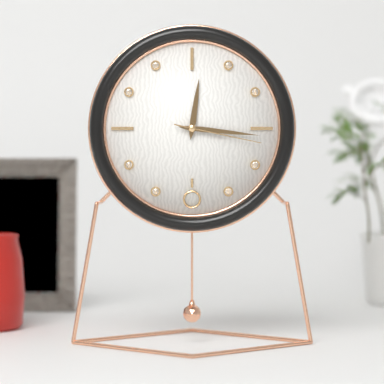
12:16:17
